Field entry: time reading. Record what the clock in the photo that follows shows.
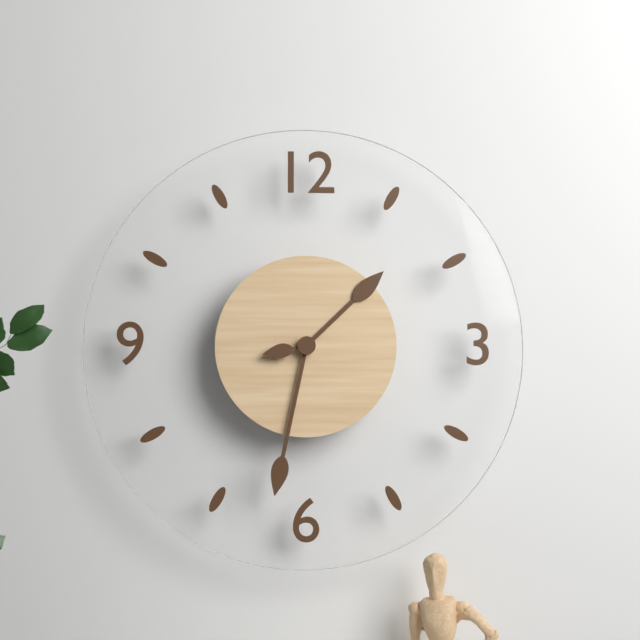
1:32:43
